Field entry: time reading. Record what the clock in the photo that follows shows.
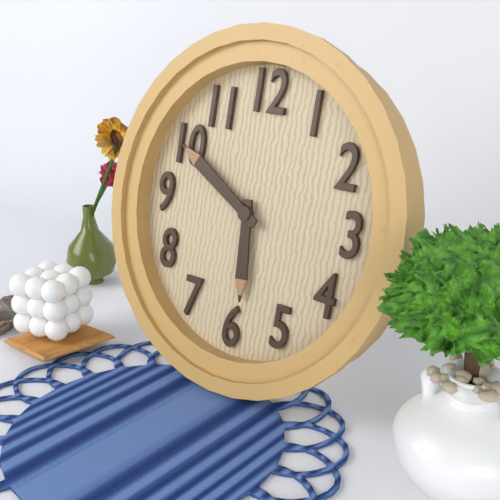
5:50
